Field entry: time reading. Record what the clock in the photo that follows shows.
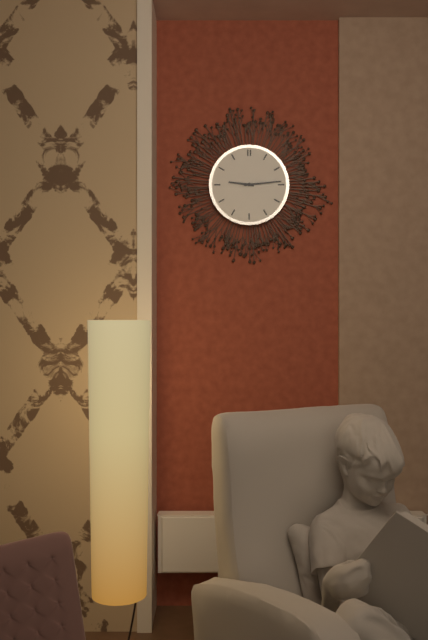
9:14
